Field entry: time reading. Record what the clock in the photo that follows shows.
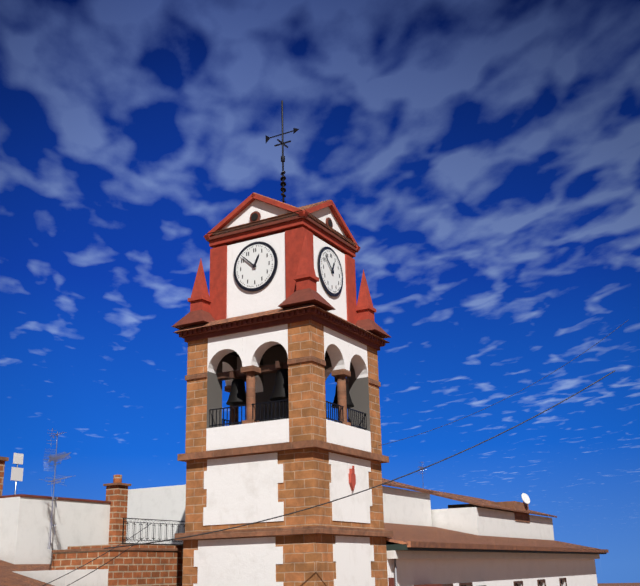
12:52
